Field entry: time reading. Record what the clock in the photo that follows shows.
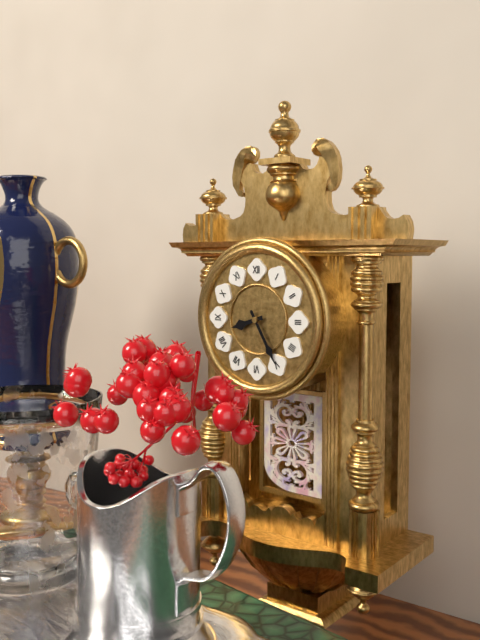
8:25
